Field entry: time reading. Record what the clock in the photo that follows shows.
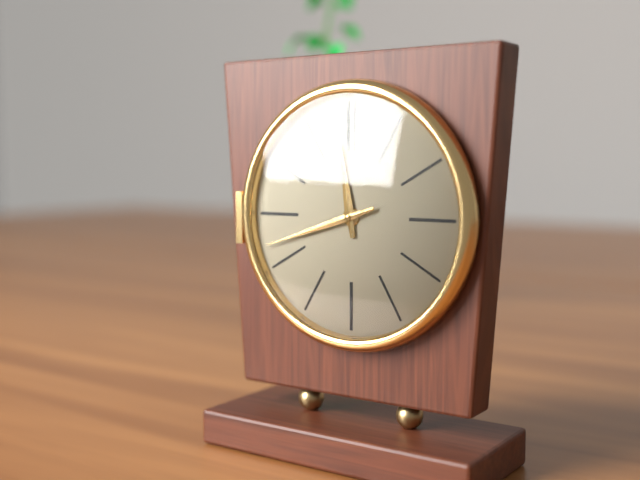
11:42
